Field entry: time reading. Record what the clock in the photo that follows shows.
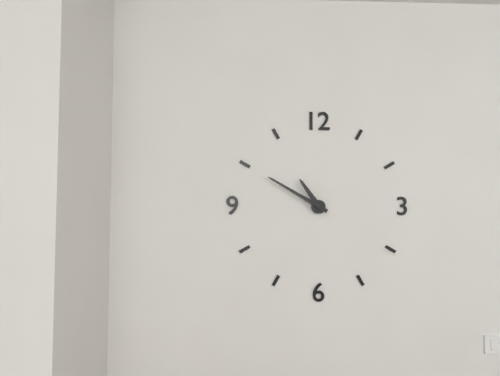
10:50
